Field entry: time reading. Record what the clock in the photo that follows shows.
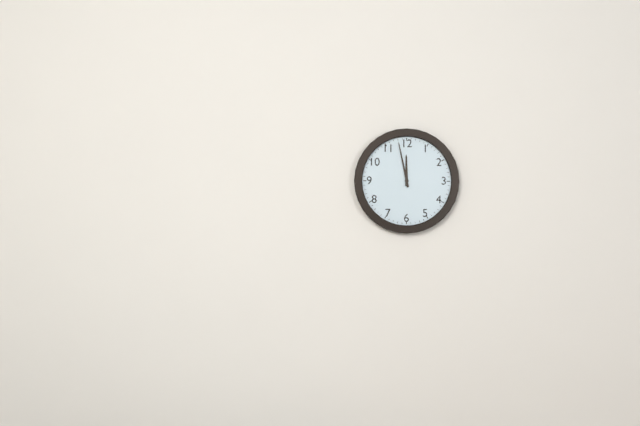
11:58
